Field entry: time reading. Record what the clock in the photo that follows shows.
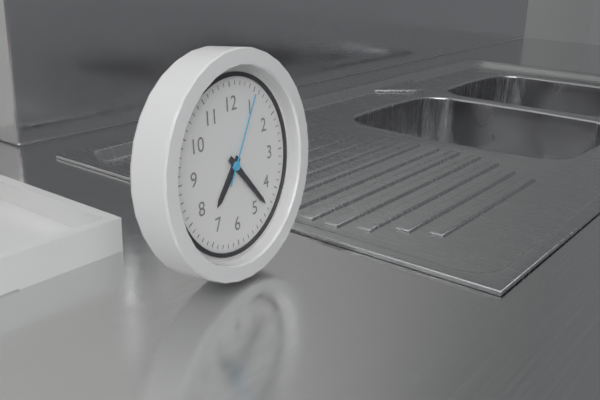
7:23:05
